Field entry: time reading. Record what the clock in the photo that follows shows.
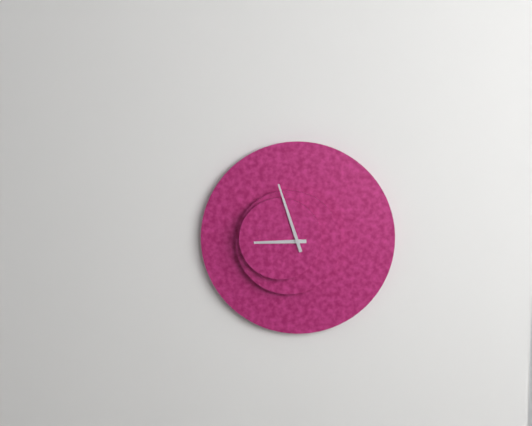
8:57
